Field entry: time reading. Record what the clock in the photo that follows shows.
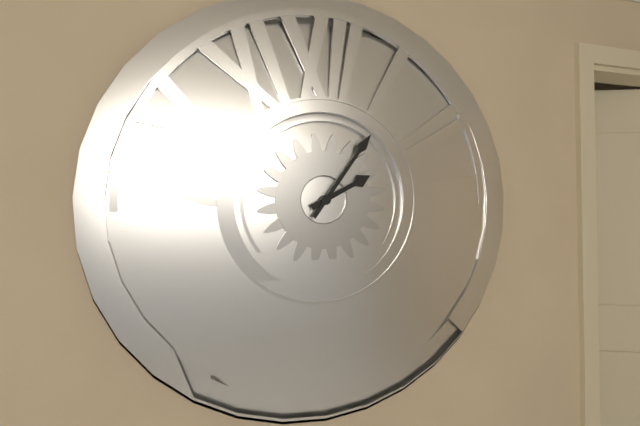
2:06
